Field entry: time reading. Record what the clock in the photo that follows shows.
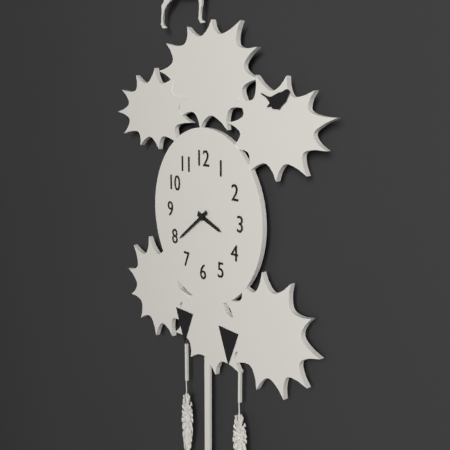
3:39
